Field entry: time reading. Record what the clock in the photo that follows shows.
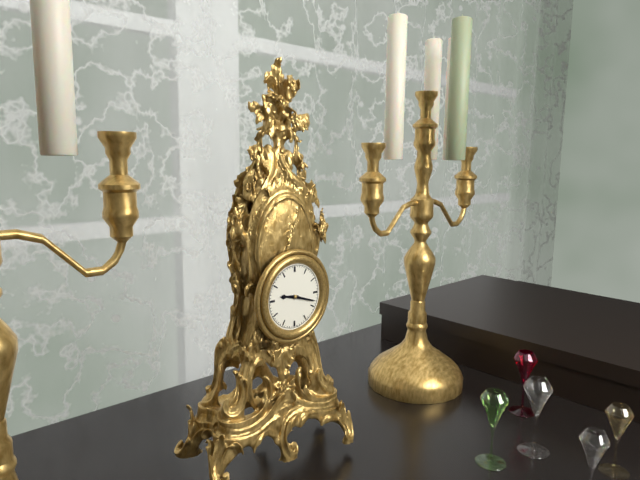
9:18
